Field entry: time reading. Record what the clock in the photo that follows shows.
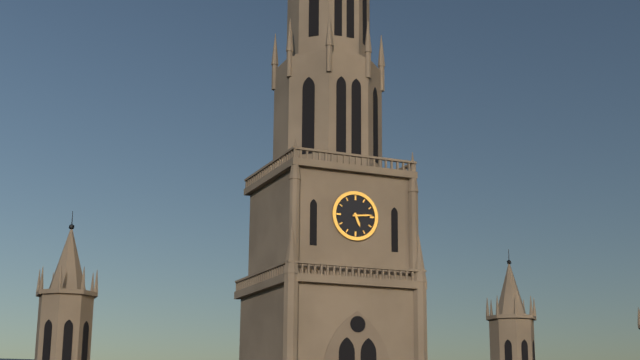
5:14
